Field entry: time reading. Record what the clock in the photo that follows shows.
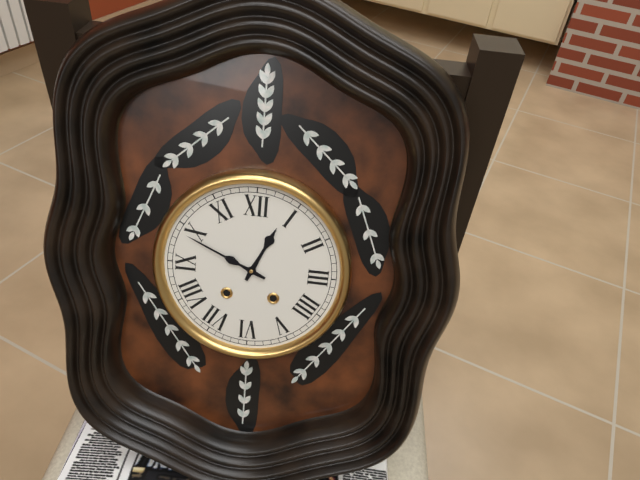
12:49
